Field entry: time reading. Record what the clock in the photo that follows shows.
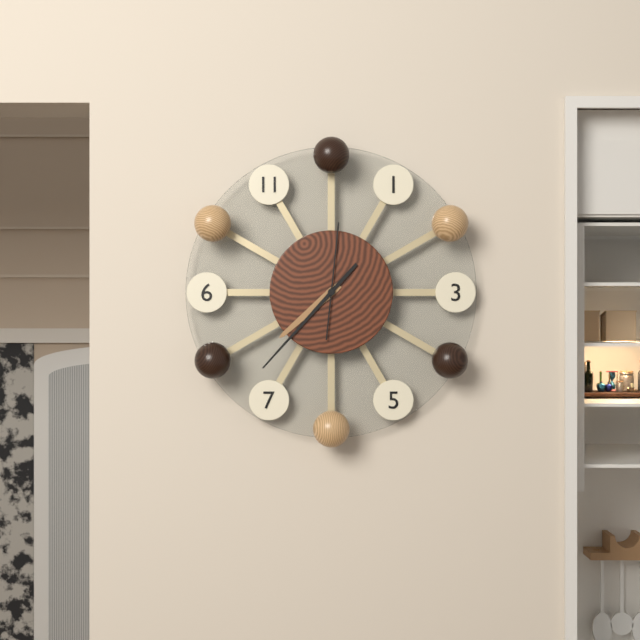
7:37:01
